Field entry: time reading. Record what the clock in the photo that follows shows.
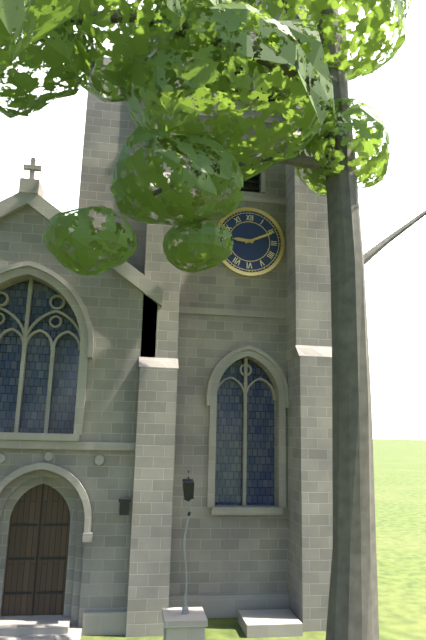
9:11
